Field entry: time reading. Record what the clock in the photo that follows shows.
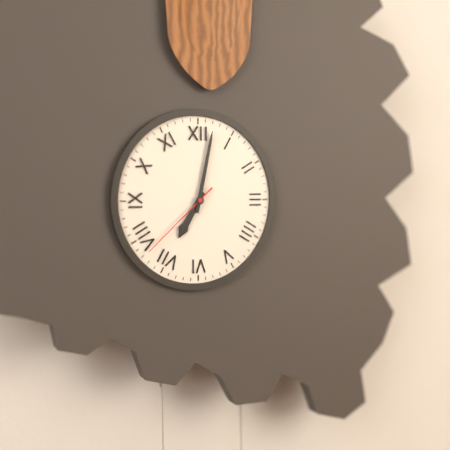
7:02:38
